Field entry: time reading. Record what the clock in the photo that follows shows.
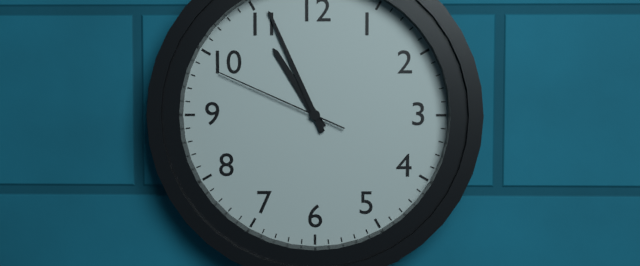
10:56:49
